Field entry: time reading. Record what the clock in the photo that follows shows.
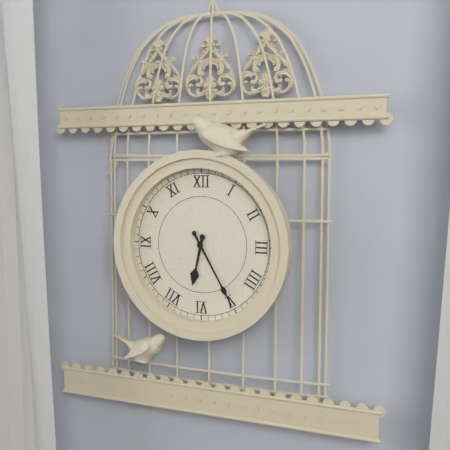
6:25
